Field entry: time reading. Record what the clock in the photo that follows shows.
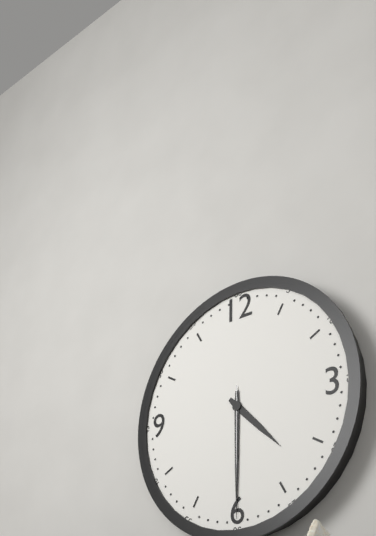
4:30:30
